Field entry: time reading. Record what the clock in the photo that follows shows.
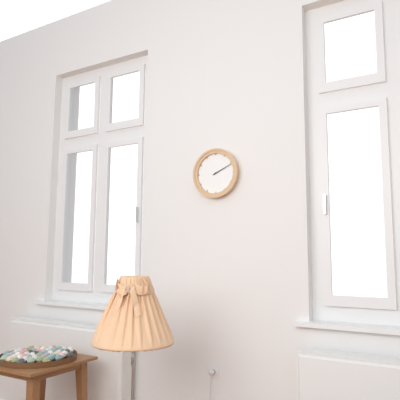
2:11
